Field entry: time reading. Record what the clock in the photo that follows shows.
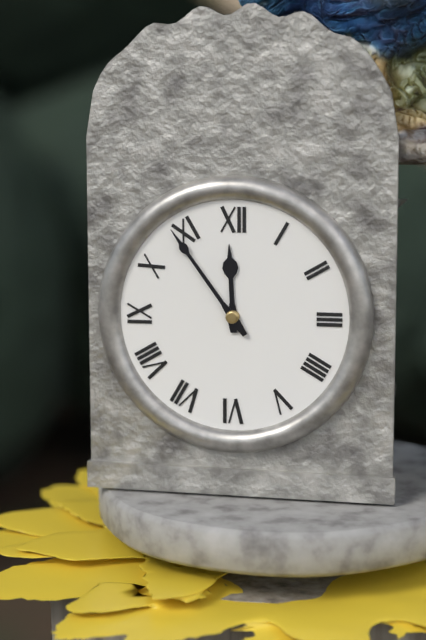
11:54
